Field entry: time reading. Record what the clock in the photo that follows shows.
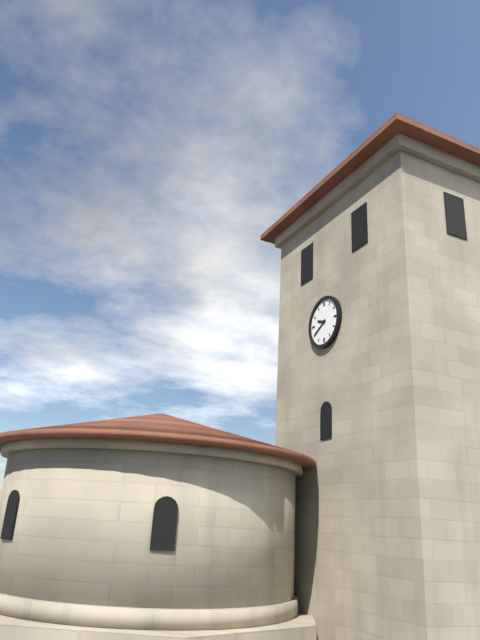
9:40
